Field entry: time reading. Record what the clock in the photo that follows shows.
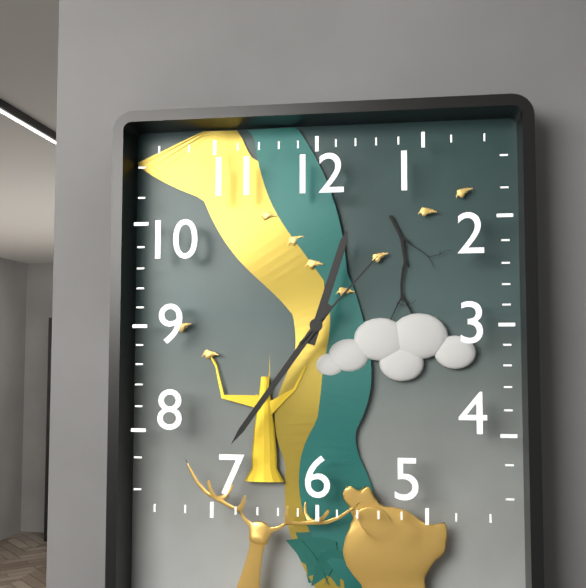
12:36:07
